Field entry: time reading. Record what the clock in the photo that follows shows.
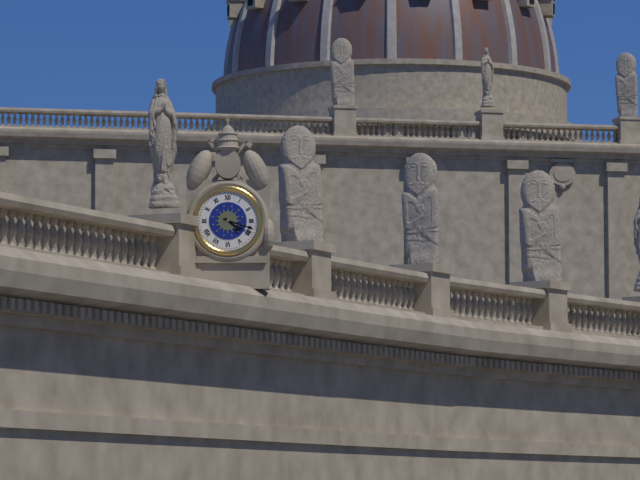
4:18
